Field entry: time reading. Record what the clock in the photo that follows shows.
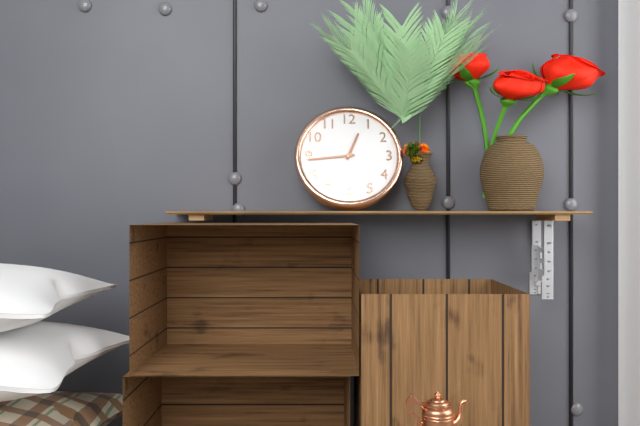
12:44
